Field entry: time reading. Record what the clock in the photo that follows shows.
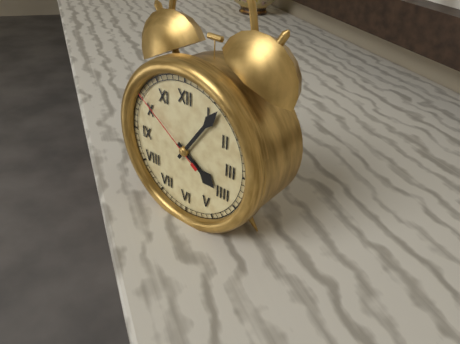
4:06:51
